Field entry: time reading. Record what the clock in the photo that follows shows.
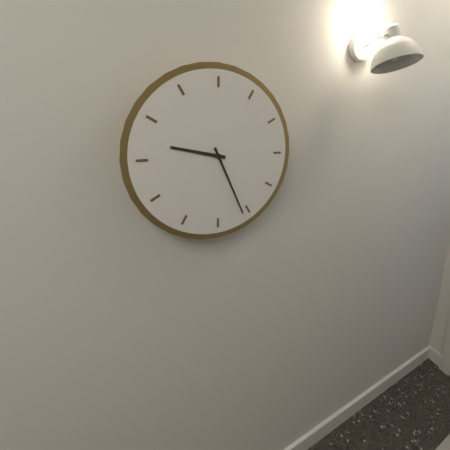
9:26
